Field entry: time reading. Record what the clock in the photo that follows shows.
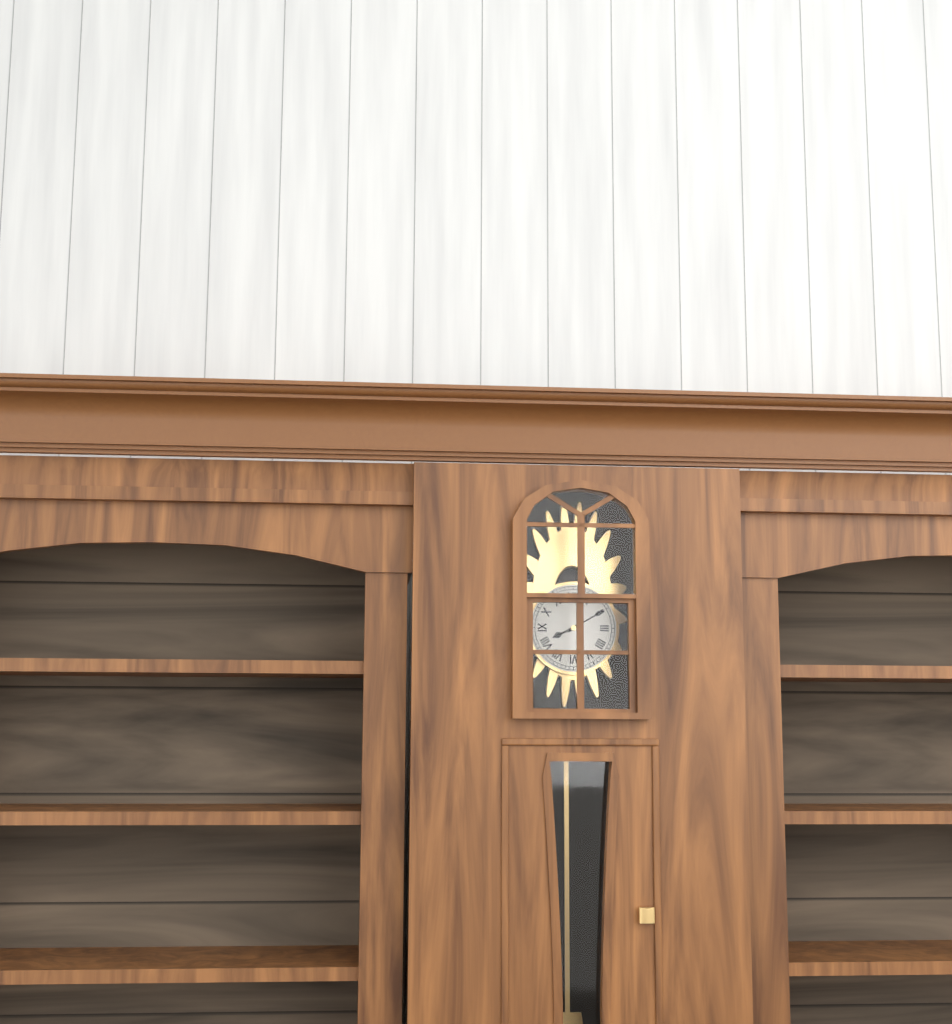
8:10
